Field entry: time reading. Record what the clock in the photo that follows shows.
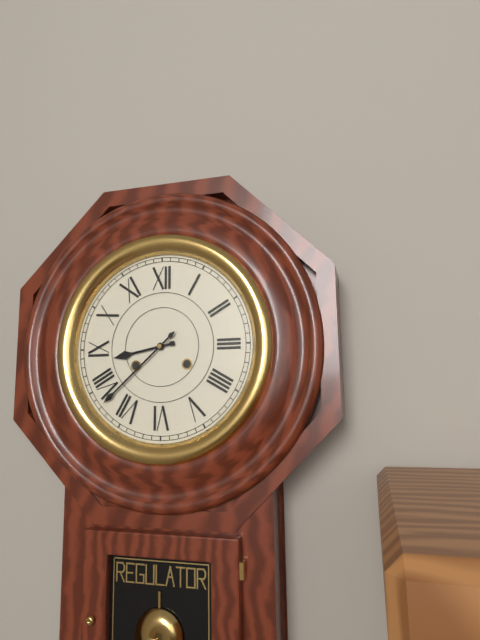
8:38
